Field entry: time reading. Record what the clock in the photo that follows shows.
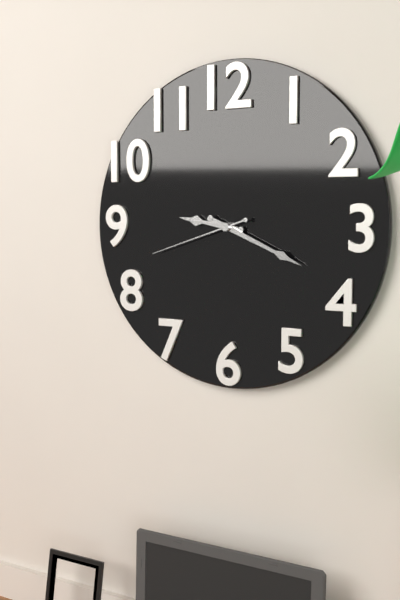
9:19:42
